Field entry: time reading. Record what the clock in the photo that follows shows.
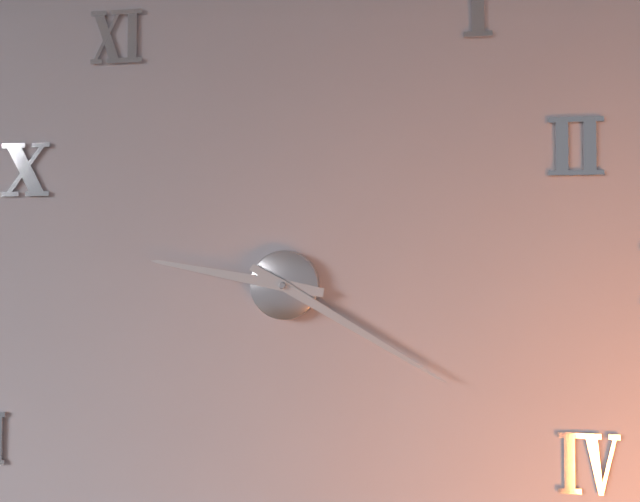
9:20
